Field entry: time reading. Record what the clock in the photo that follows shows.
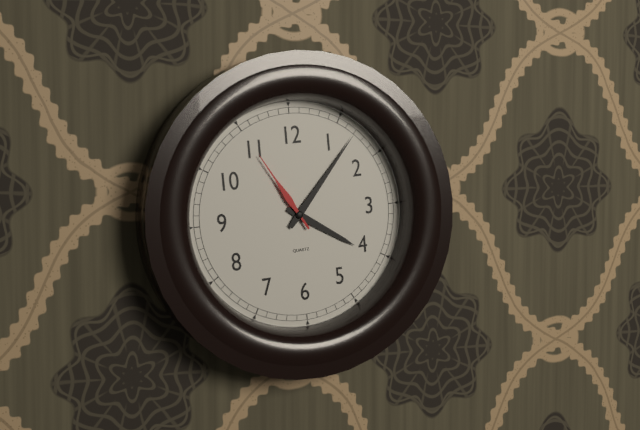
4:07:55
